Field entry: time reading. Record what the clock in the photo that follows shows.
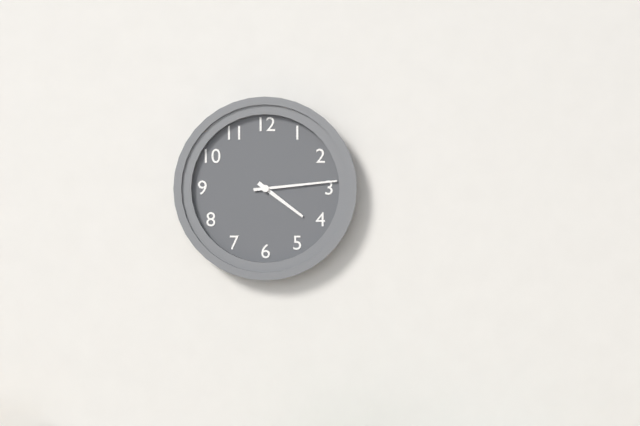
4:14
